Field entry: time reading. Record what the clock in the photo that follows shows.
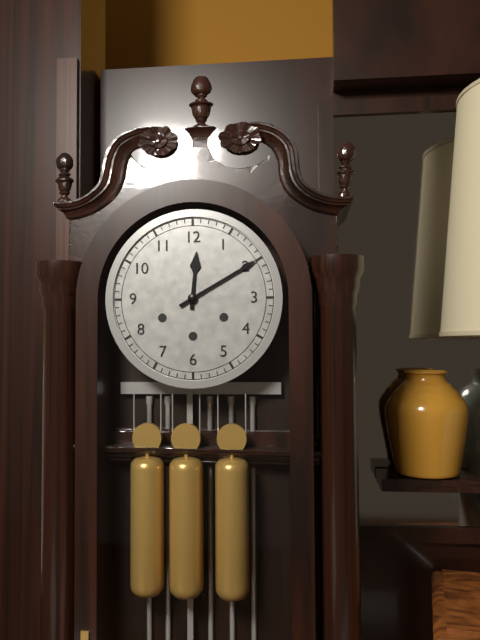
12:10
